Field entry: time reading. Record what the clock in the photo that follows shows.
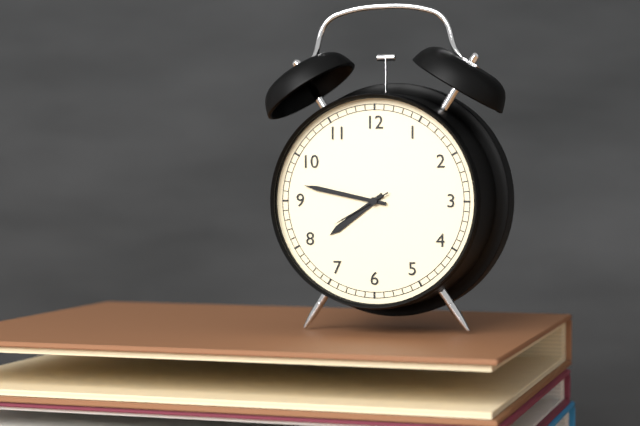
7:47:40
